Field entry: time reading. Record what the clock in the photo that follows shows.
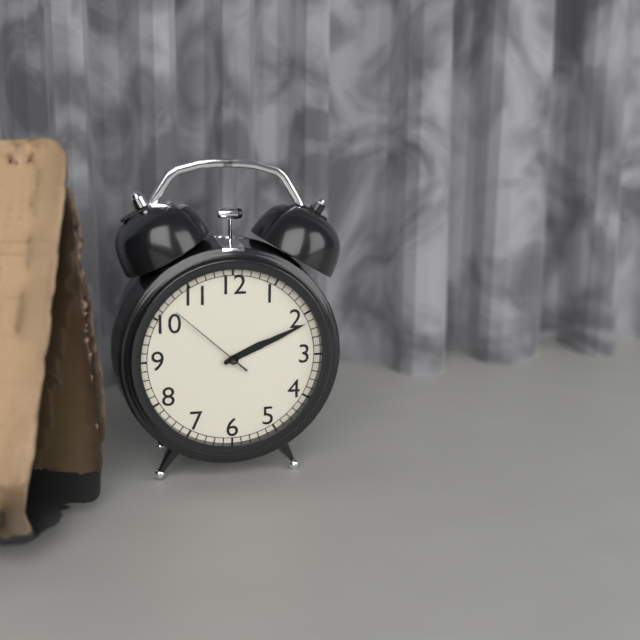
2:11:52
